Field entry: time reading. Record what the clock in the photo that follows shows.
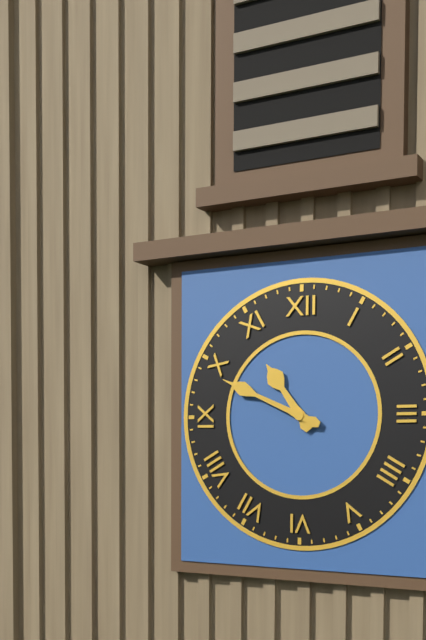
10:49
